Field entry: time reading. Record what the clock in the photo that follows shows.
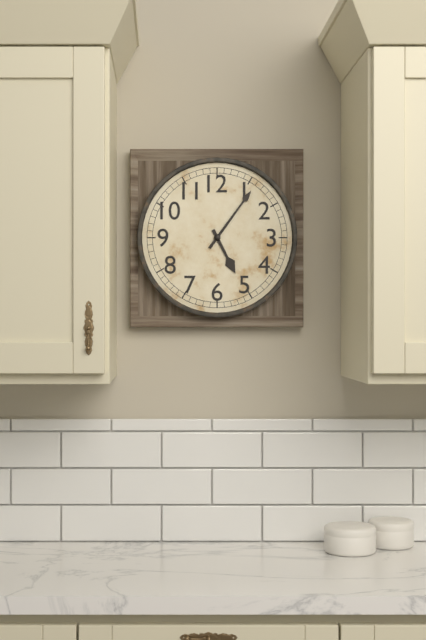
5:06
